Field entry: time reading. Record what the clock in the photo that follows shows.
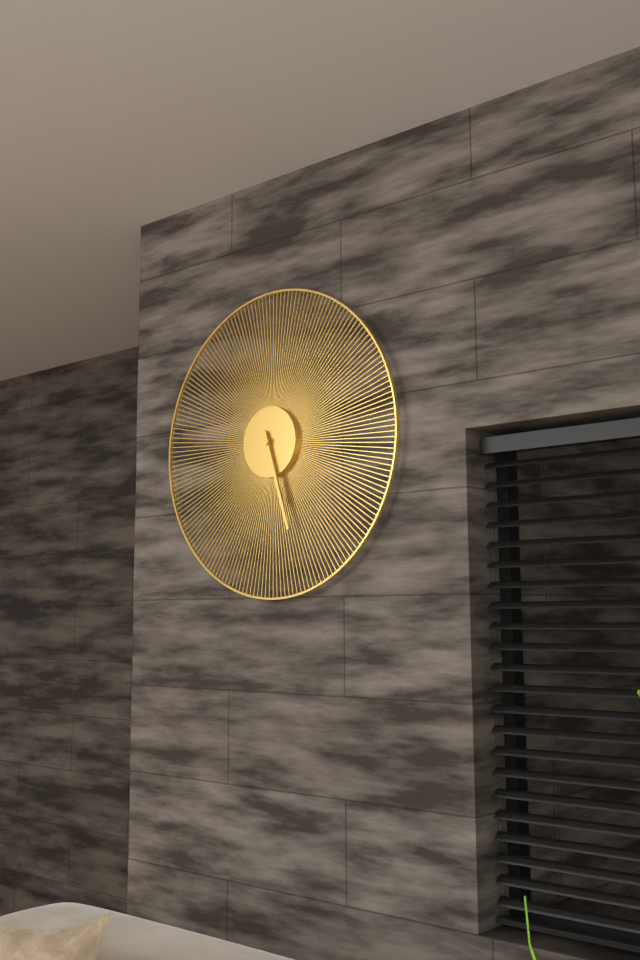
5:27
